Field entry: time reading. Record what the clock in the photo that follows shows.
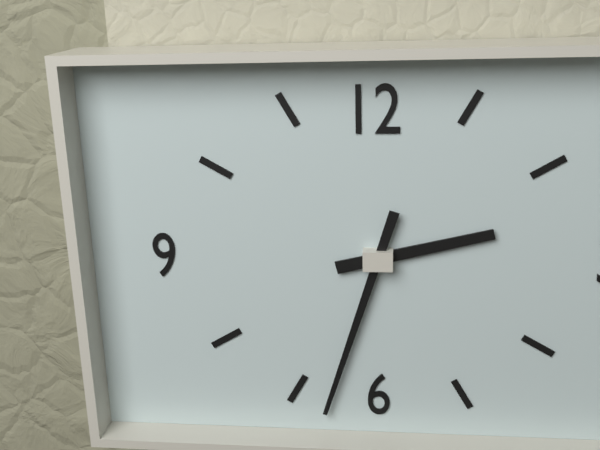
2:33
